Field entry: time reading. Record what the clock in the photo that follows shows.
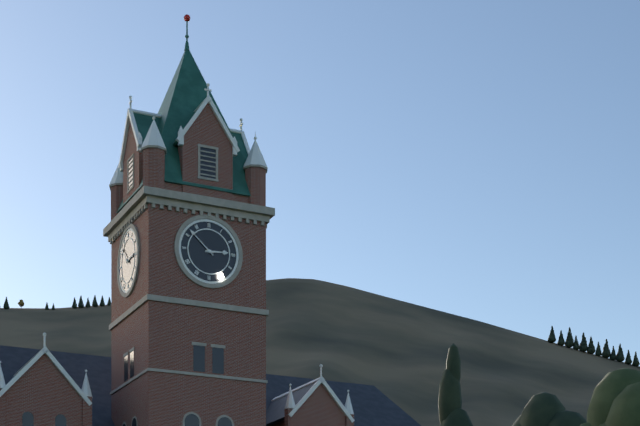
2:52
